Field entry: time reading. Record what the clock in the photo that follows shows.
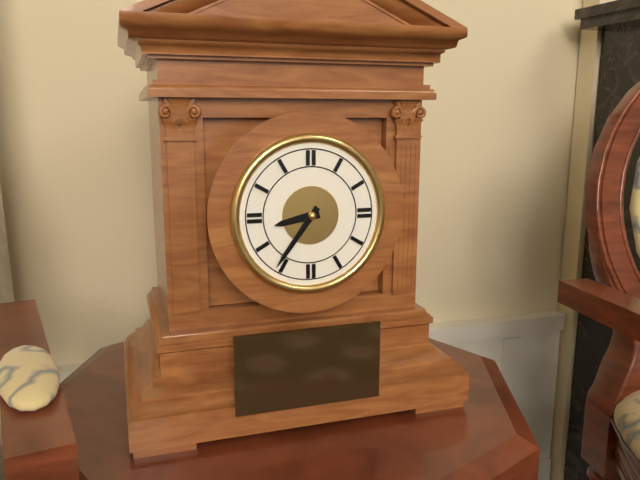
8:36
